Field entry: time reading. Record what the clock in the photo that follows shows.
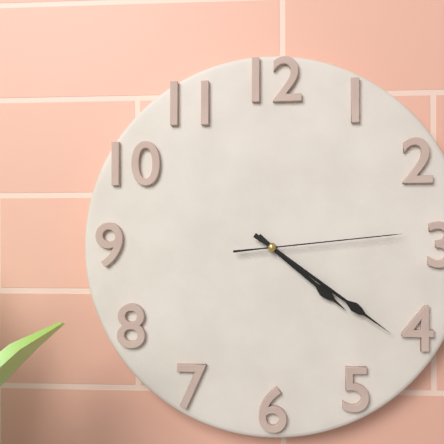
4:21:14
